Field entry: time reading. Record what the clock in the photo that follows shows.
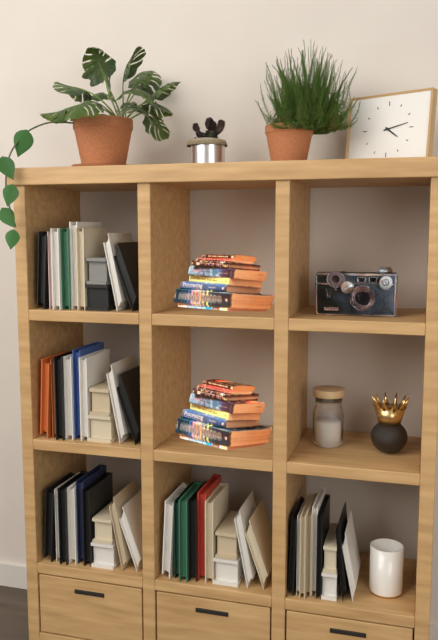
4:13
